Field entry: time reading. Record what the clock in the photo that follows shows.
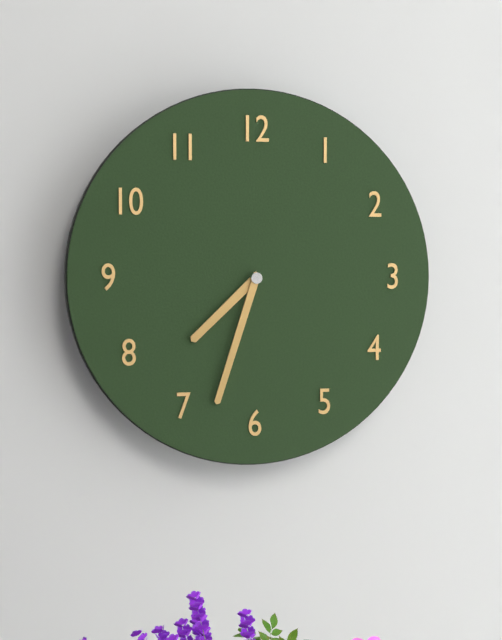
7:33
